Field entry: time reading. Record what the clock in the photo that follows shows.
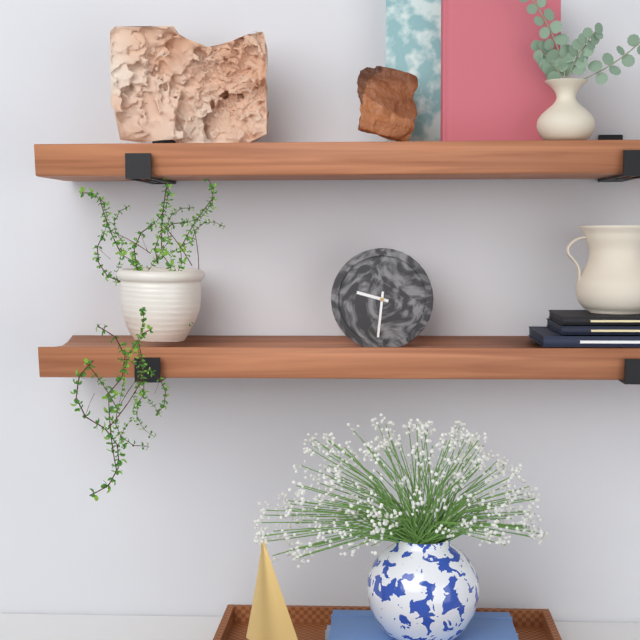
9:31
